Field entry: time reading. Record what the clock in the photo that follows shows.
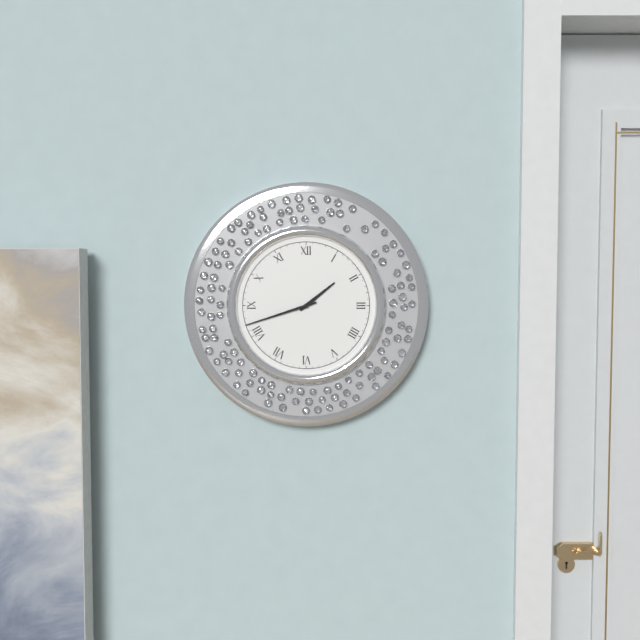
1:42
